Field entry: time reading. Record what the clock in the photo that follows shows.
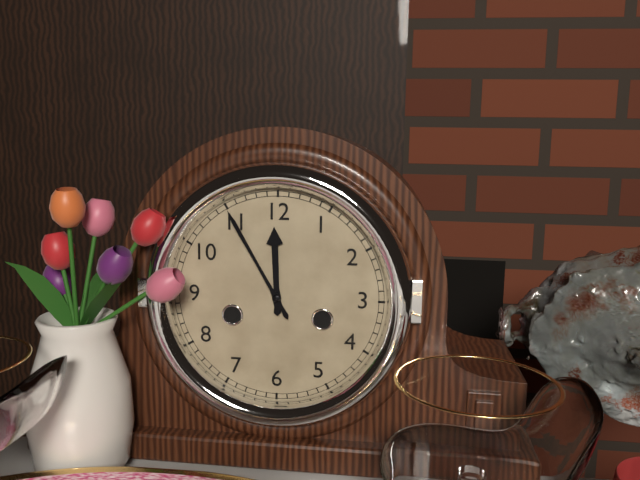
11:55
